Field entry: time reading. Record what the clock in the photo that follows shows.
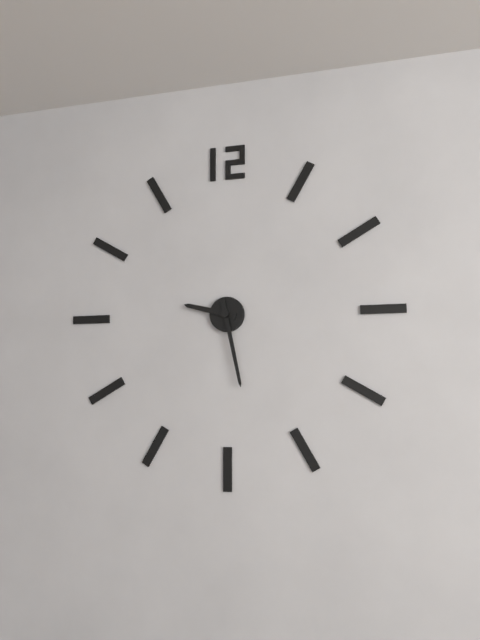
9:28
